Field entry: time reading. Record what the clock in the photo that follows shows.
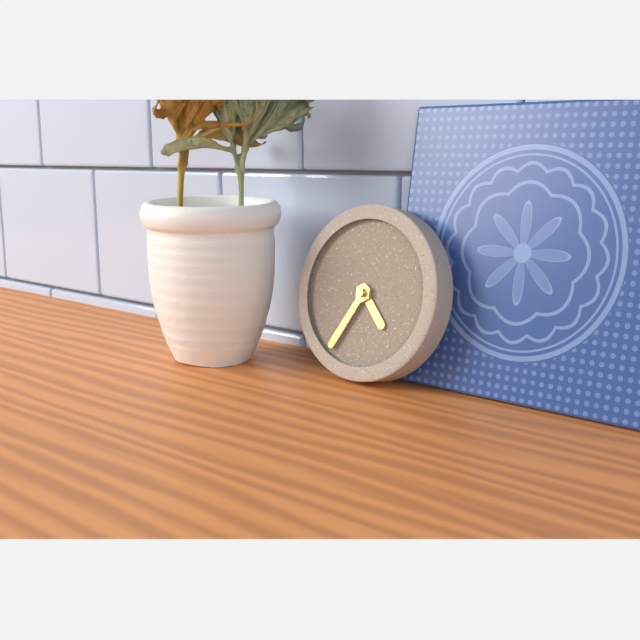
4:35
